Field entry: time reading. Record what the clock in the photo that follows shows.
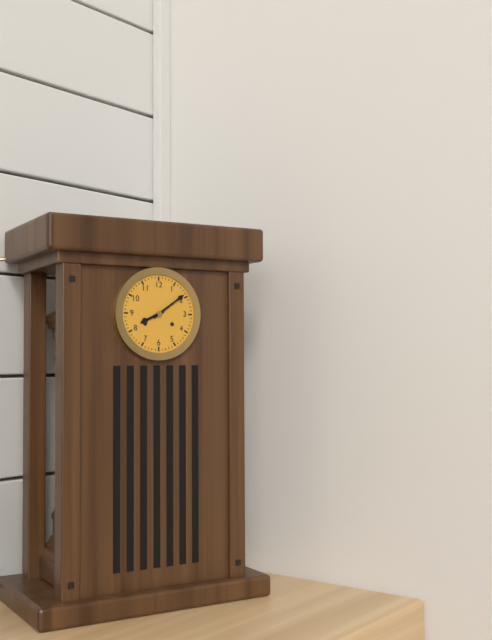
8:09
